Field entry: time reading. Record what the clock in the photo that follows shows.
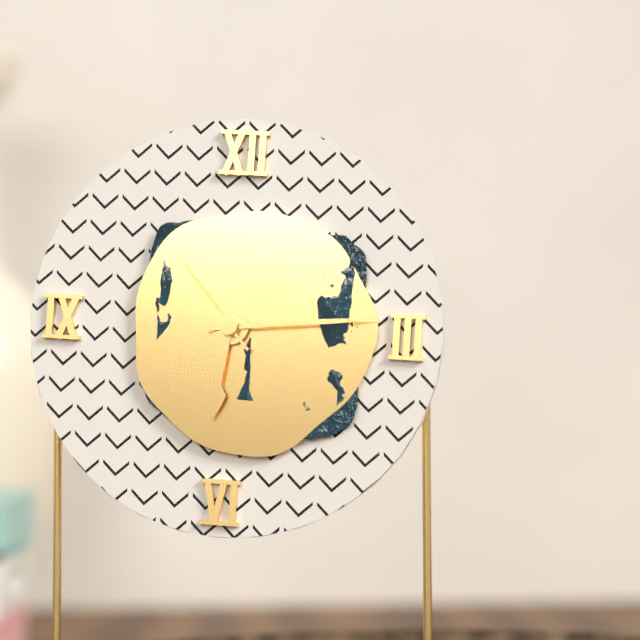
6:14:53
